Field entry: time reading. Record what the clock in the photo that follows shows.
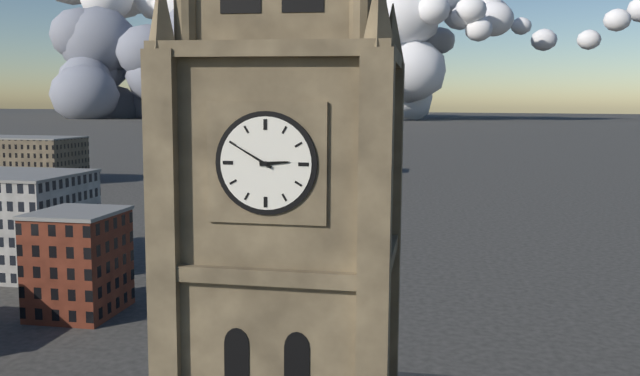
2:50
